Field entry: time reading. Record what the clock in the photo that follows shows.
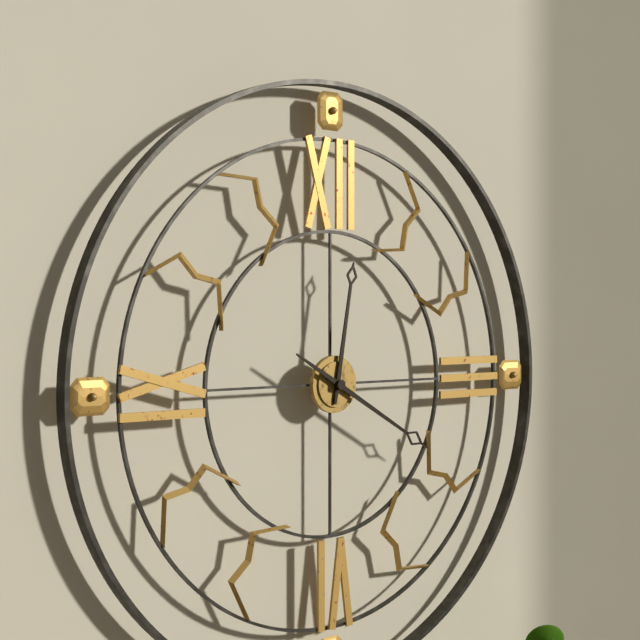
12:20
